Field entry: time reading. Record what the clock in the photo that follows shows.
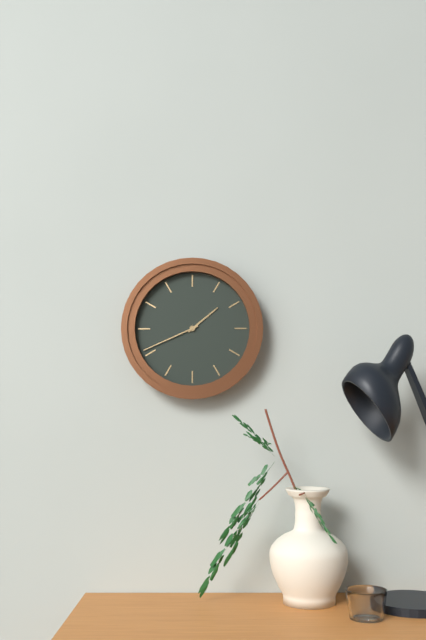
1:41
